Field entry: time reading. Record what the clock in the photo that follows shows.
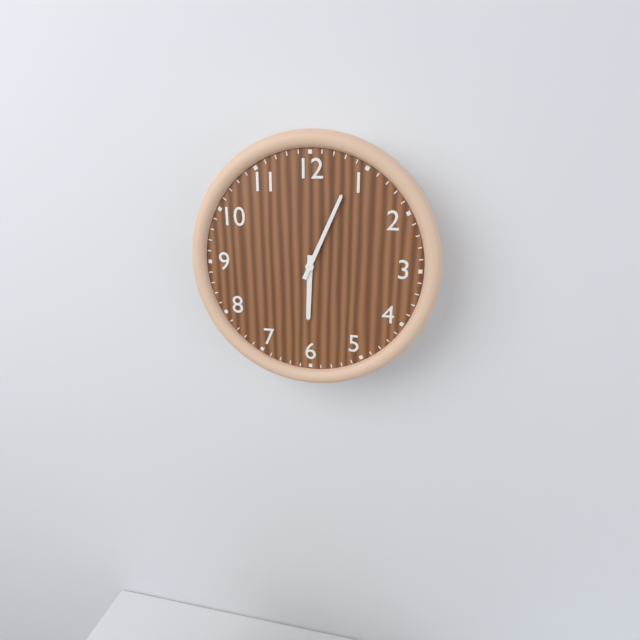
6:04
